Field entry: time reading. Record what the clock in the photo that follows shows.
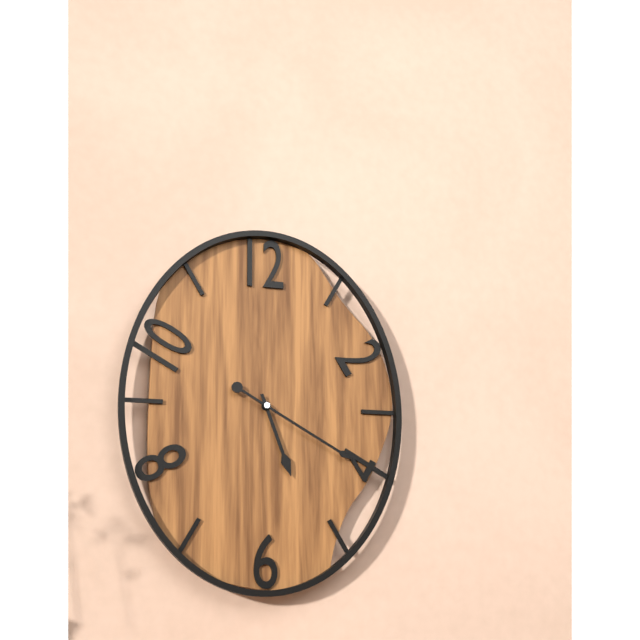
5:20
